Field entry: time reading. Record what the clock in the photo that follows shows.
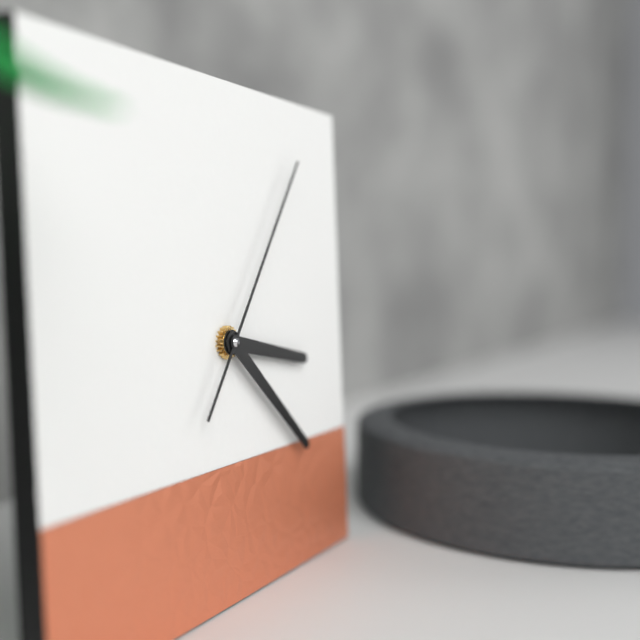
3:22:06
